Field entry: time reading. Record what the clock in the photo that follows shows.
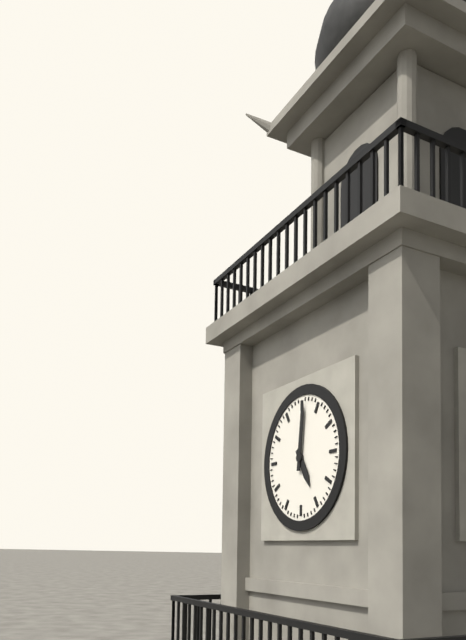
5:01
